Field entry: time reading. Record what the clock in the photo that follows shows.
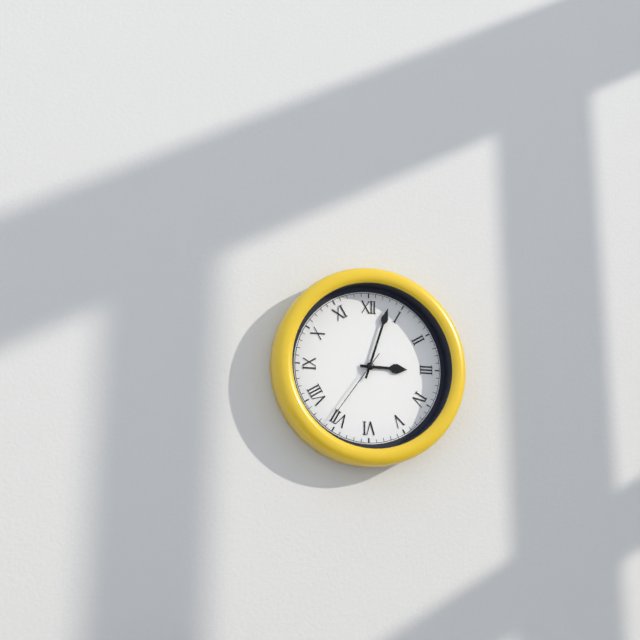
3:03:36
